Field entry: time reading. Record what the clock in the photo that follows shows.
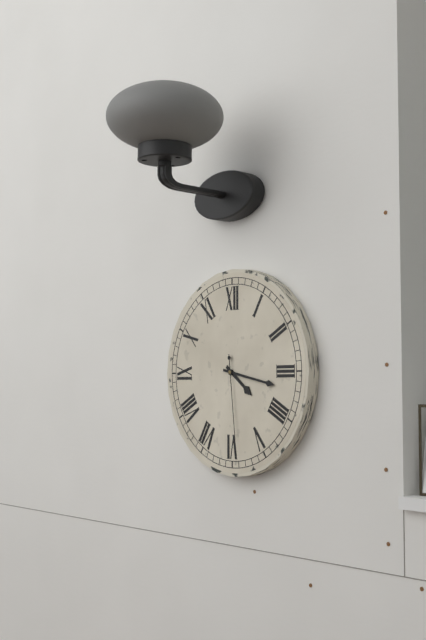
4:17:29
